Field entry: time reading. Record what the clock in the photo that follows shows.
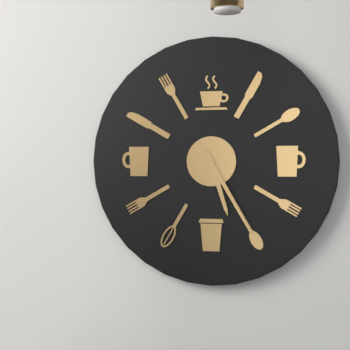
5:25
